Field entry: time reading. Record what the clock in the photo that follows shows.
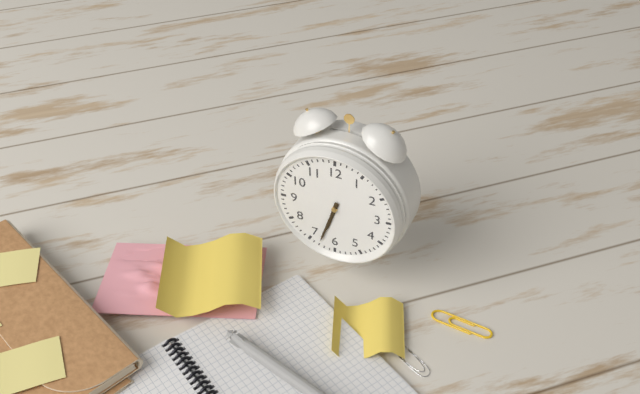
6:33
